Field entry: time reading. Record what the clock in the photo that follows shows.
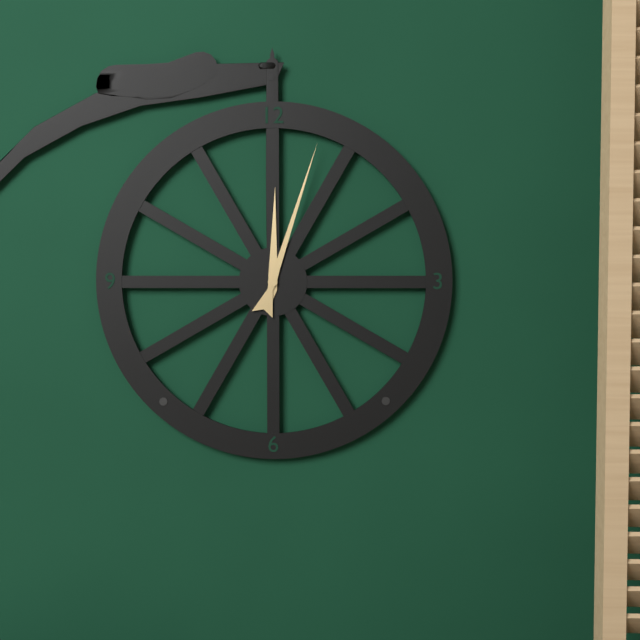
12:03
